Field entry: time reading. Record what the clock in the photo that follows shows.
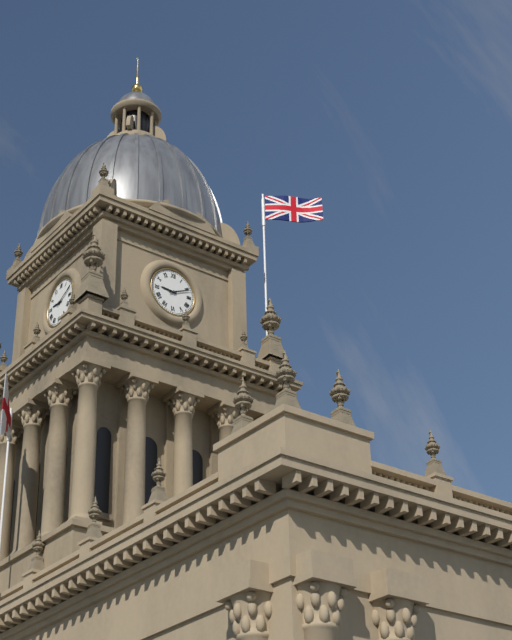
9:11
